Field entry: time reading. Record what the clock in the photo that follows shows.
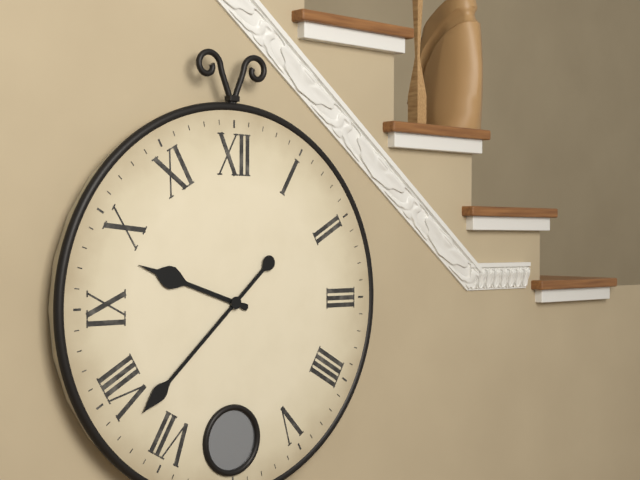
9:38
